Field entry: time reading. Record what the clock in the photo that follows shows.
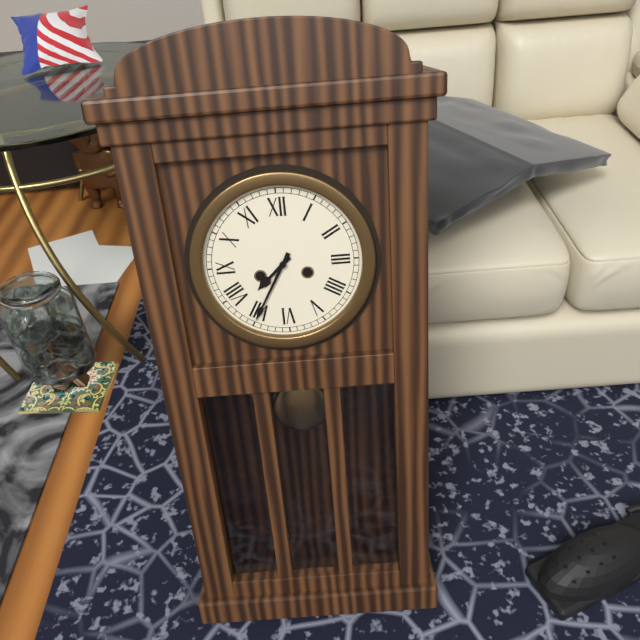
7:35
